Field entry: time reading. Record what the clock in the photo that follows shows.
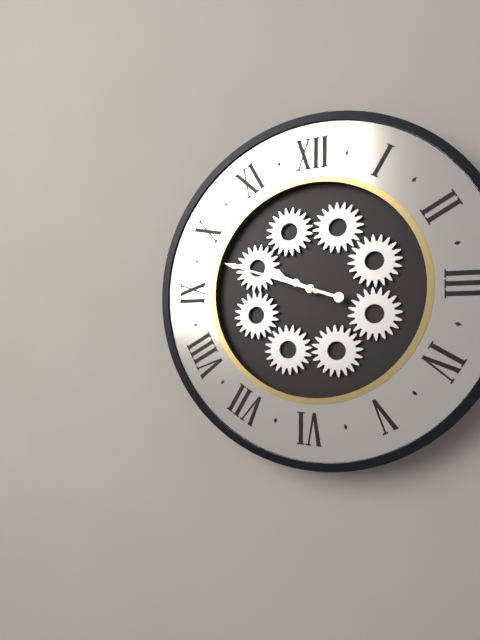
9:48
